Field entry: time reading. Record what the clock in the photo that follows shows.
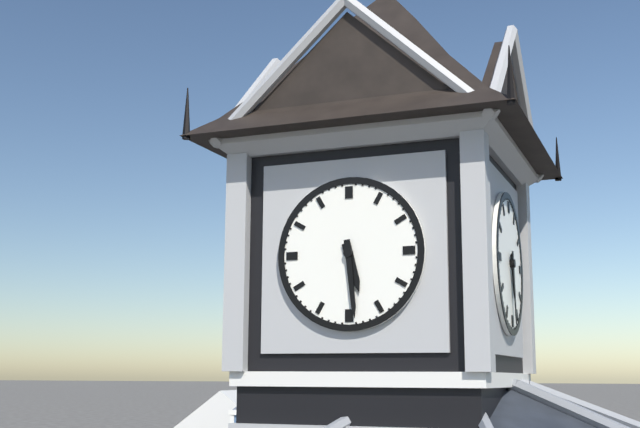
5:29
